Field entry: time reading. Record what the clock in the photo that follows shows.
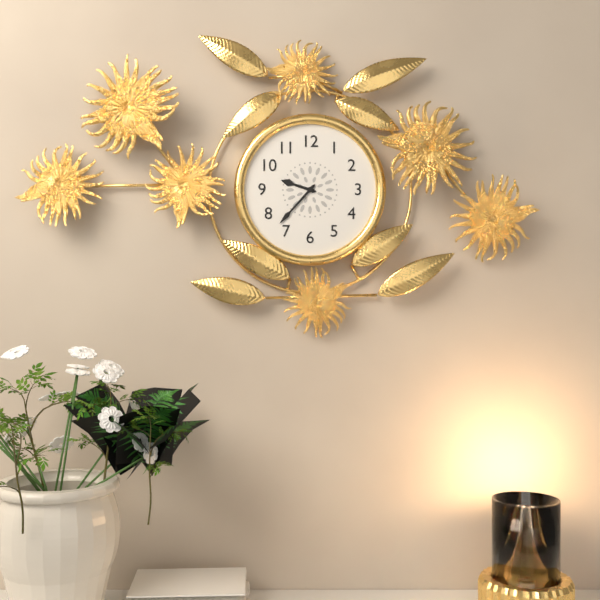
9:37
